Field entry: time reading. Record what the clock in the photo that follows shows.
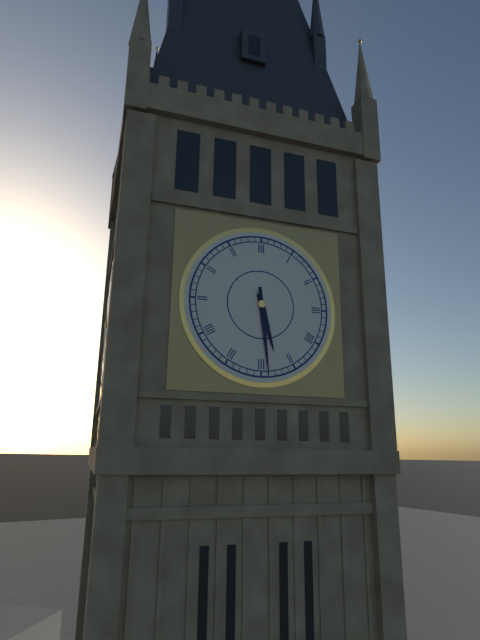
5:29
